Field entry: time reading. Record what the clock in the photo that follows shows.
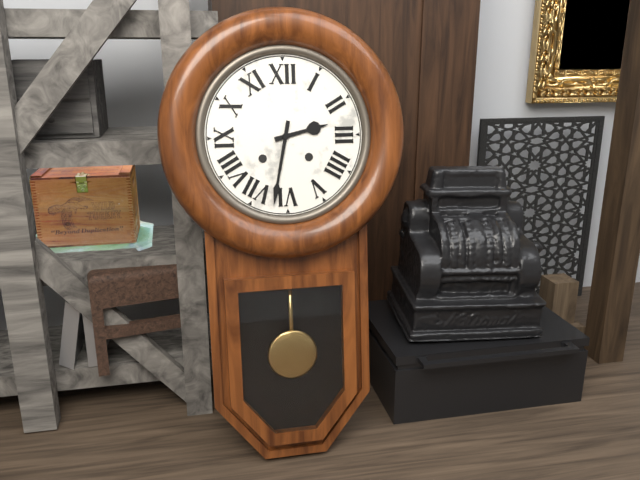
2:32
